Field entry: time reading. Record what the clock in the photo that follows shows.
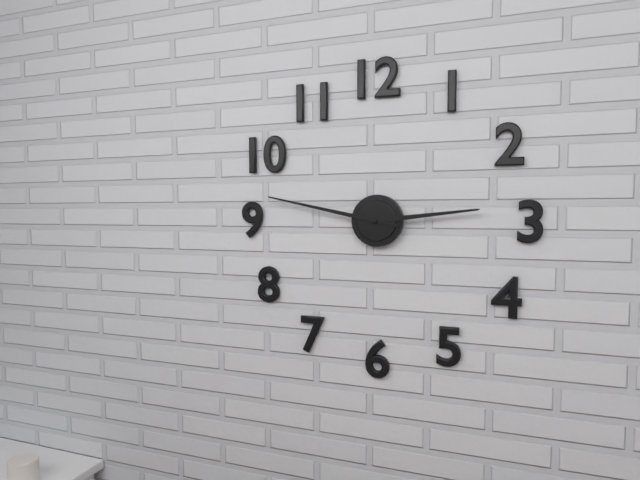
2:47
